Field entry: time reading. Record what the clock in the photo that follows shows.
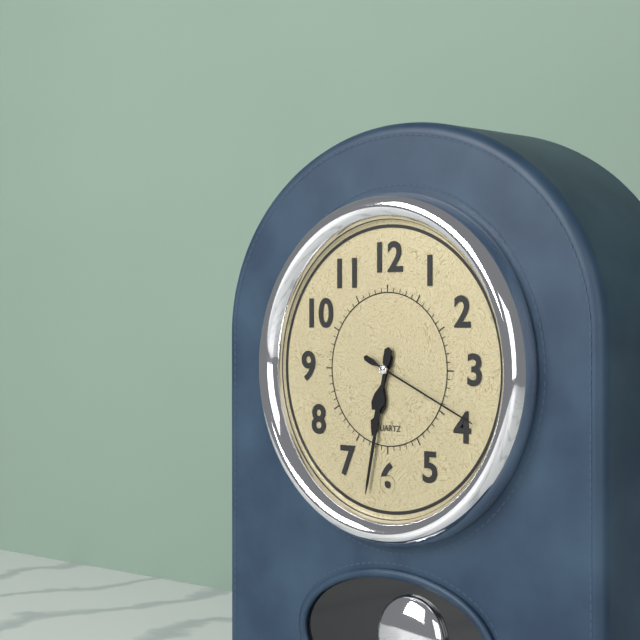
6:32:19
